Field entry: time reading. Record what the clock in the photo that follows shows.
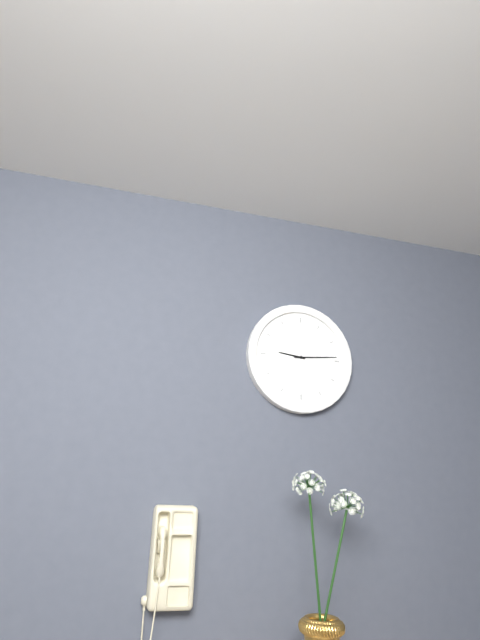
9:14
